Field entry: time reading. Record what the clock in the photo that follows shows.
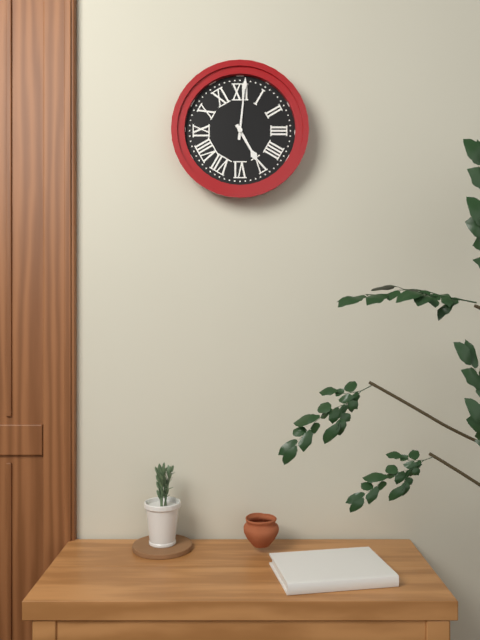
5:01
